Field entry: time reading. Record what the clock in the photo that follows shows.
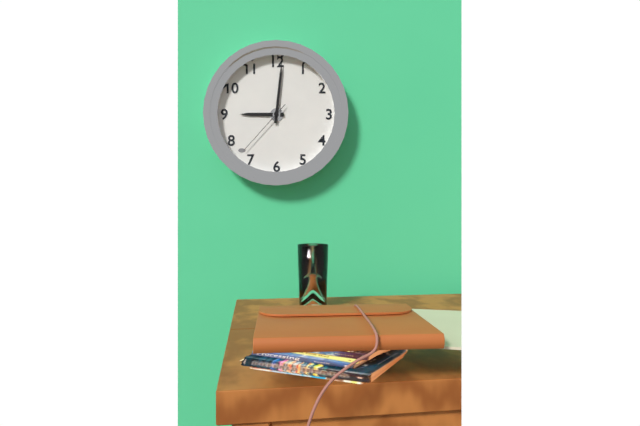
9:01:37
